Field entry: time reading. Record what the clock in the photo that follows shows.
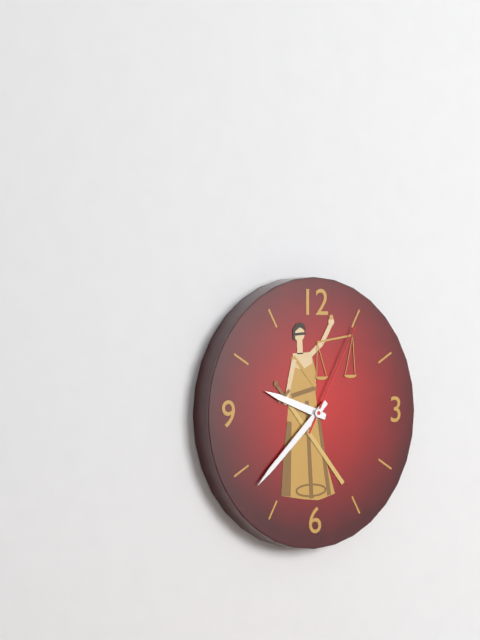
9:38:05
